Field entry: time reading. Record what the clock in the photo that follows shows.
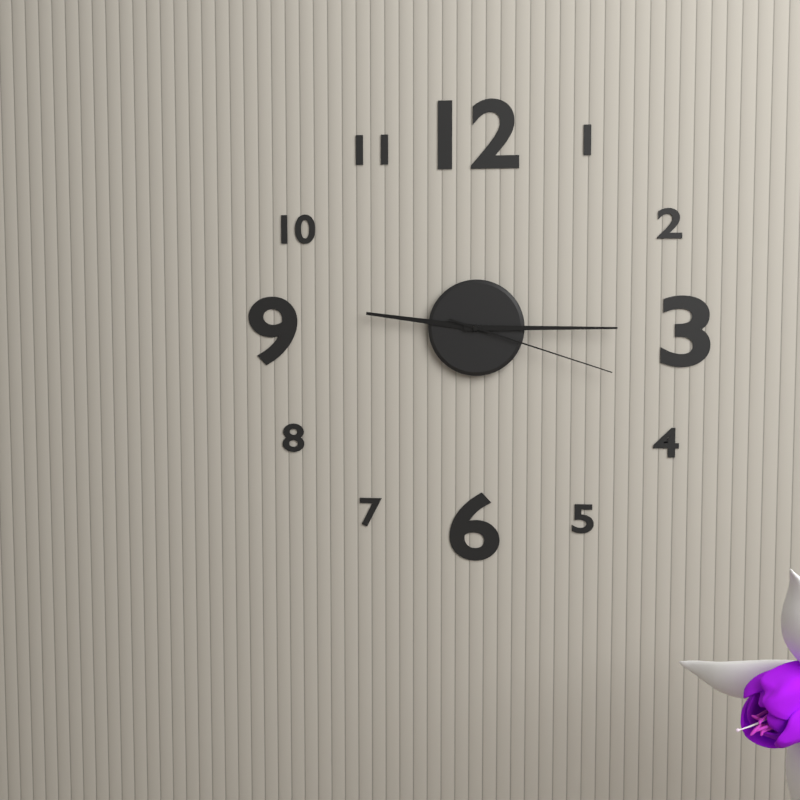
9:15:18
